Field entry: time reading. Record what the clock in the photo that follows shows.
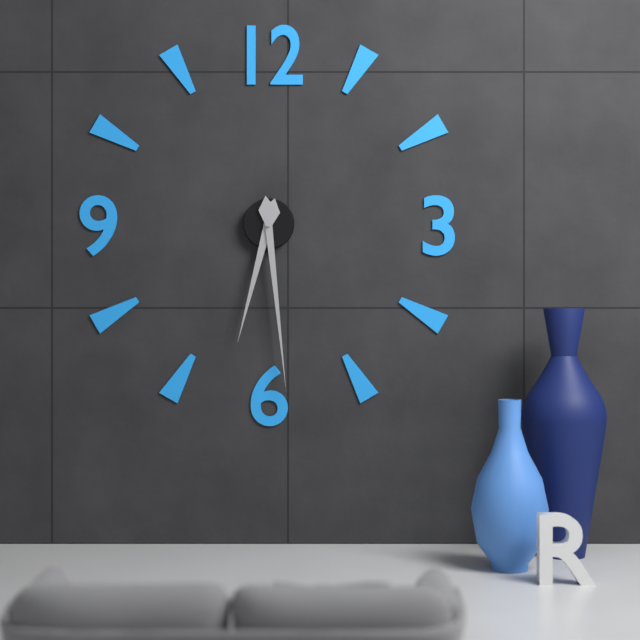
6:29
